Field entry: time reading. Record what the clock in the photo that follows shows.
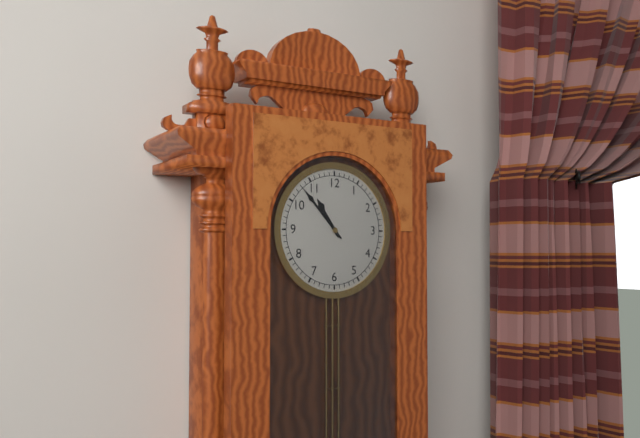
10:53
